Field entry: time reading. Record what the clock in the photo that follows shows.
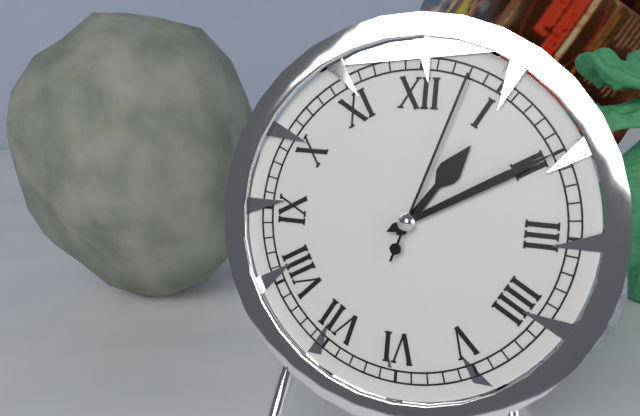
1:10:03
